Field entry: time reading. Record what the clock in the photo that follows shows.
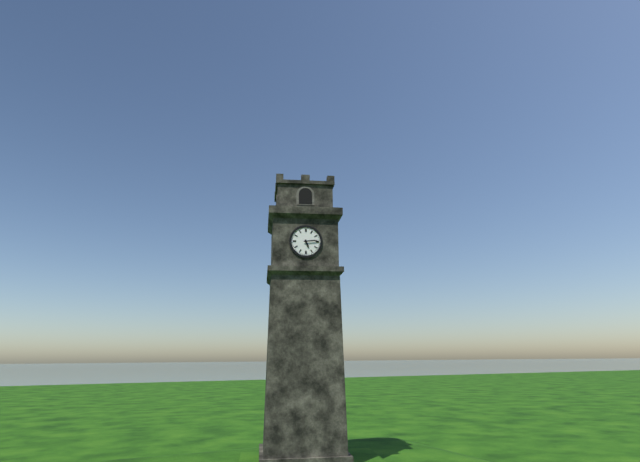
5:14
